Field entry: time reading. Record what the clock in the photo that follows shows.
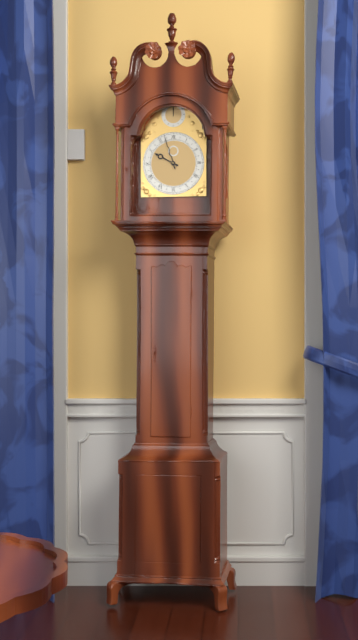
9:57
